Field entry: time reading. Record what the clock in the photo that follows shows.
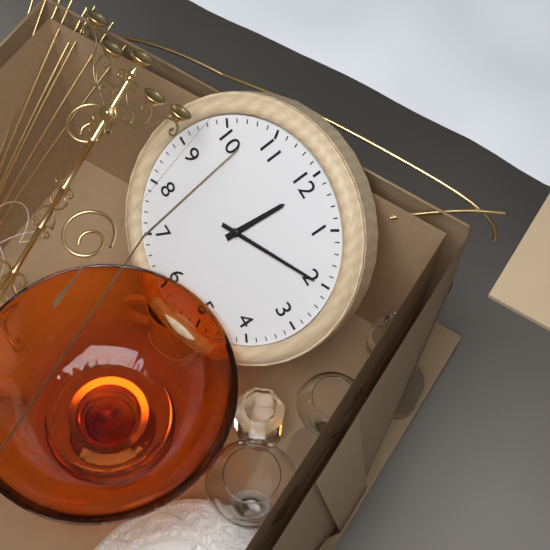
12:10
